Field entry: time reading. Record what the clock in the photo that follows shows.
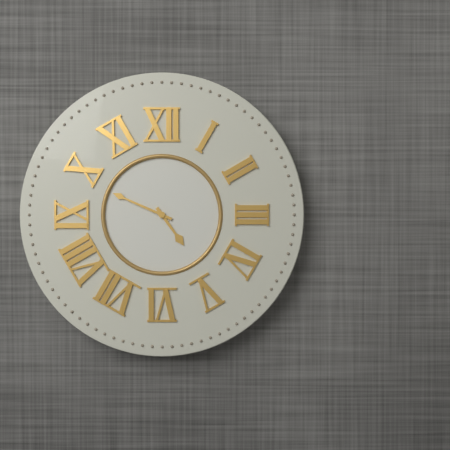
4:49
